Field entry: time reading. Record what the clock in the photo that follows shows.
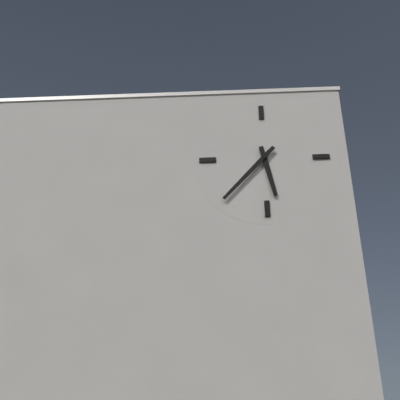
5:37
